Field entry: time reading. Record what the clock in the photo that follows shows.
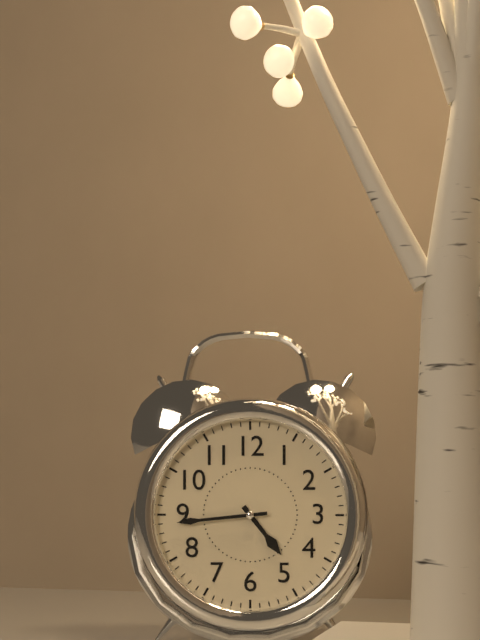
4:44
